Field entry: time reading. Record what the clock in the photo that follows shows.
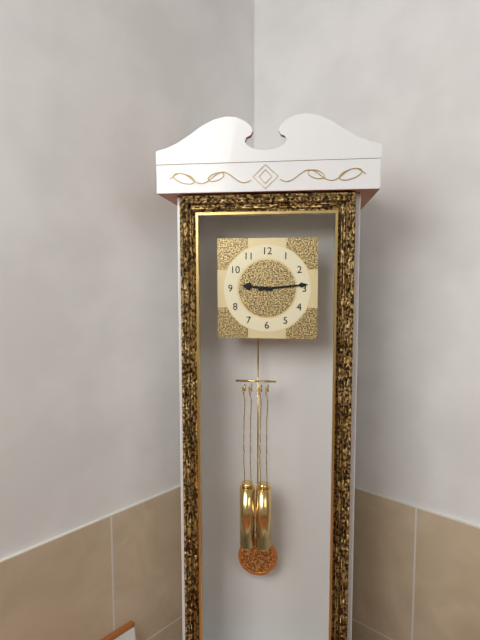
9:14
